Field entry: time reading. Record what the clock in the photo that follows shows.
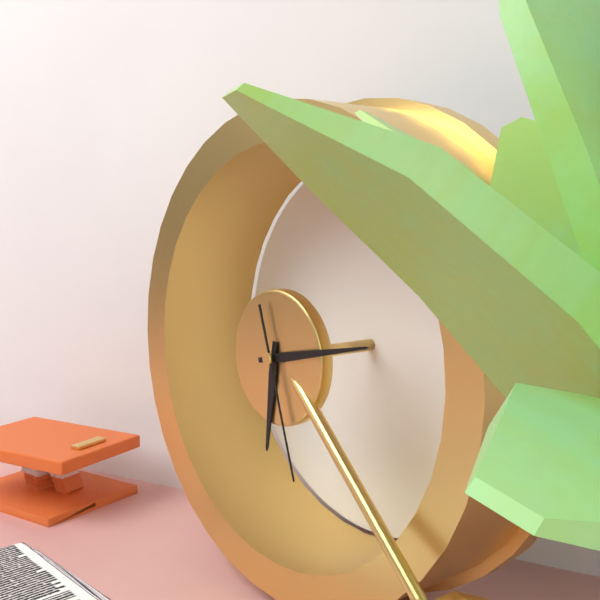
6:13:27
